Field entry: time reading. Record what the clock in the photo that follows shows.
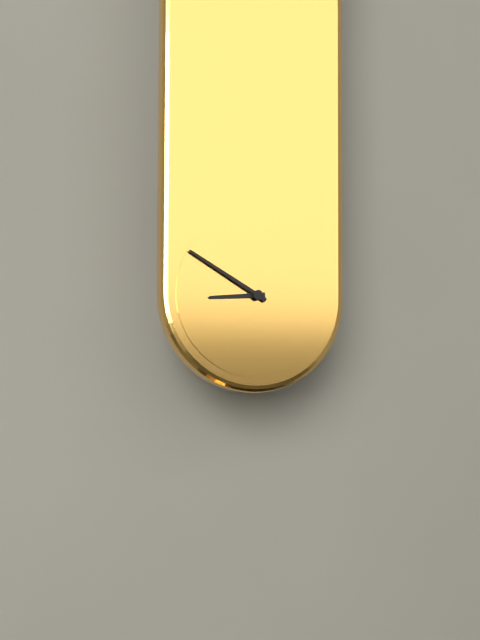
8:50
